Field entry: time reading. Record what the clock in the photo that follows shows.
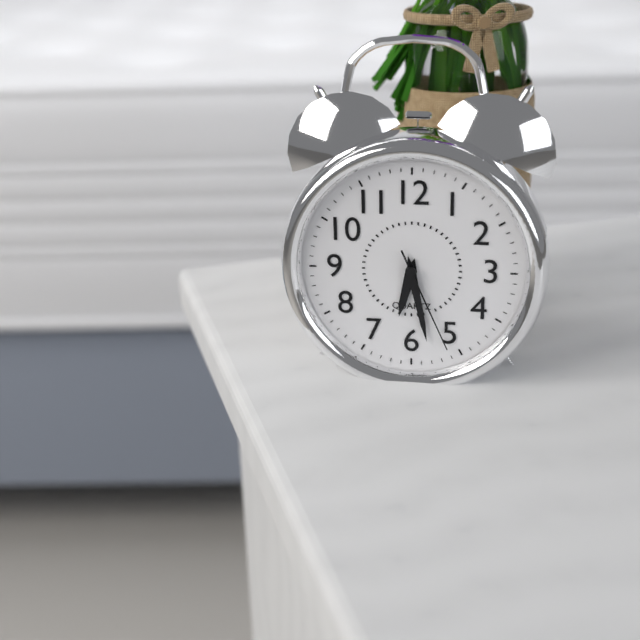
6:28:26
